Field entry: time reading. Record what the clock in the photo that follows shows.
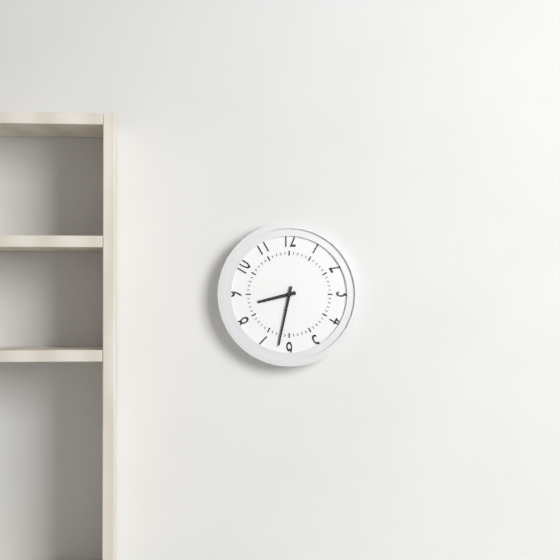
8:32
